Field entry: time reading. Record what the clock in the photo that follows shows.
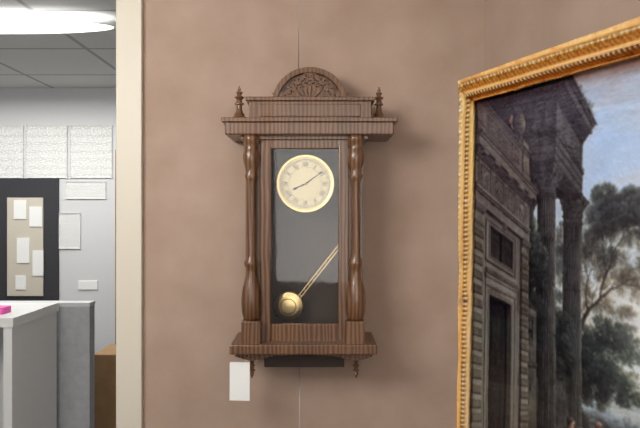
8:09
